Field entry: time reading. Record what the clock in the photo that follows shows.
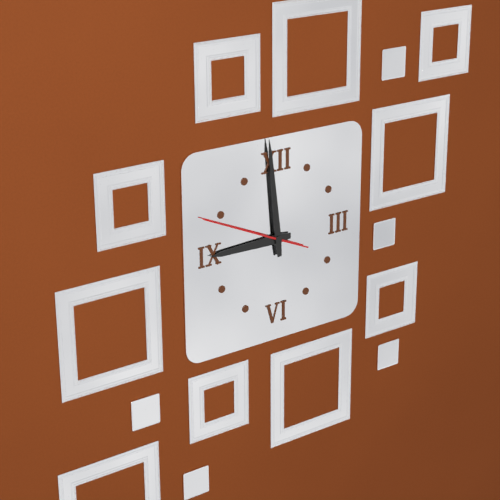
8:59:49
